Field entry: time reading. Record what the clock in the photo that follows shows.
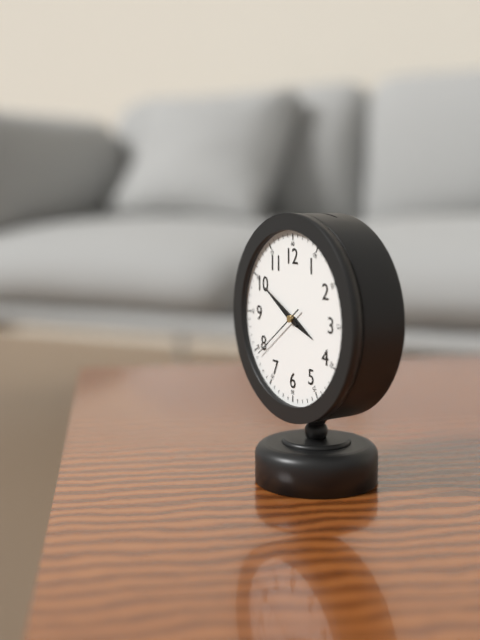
3:50:39
